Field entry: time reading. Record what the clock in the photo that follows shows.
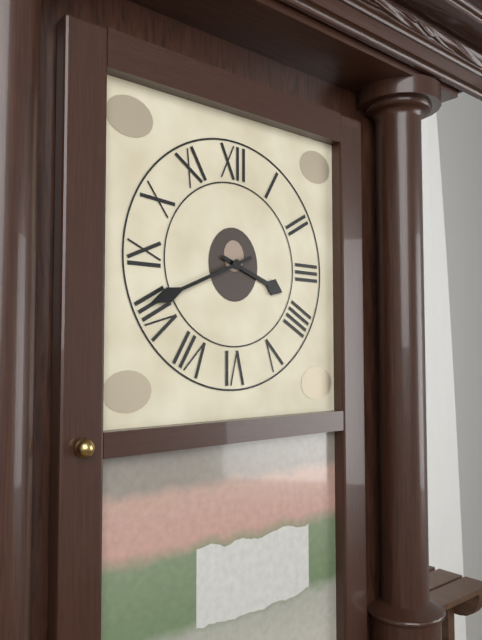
3:41
